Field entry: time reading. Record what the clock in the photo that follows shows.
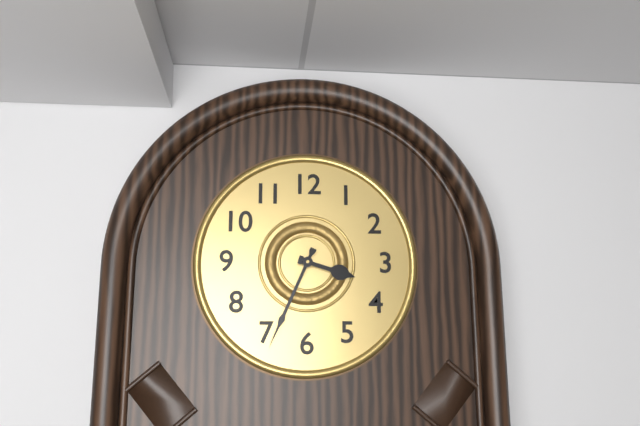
3:34
